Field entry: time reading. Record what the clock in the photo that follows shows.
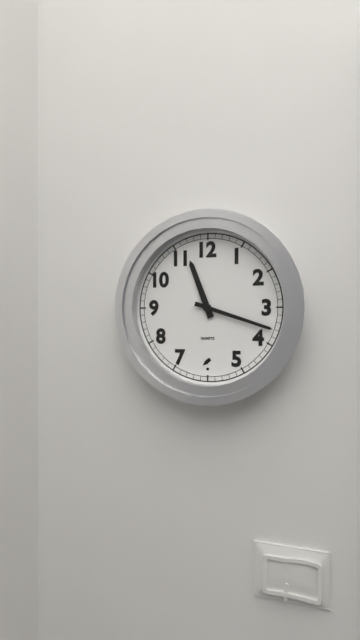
11:18
